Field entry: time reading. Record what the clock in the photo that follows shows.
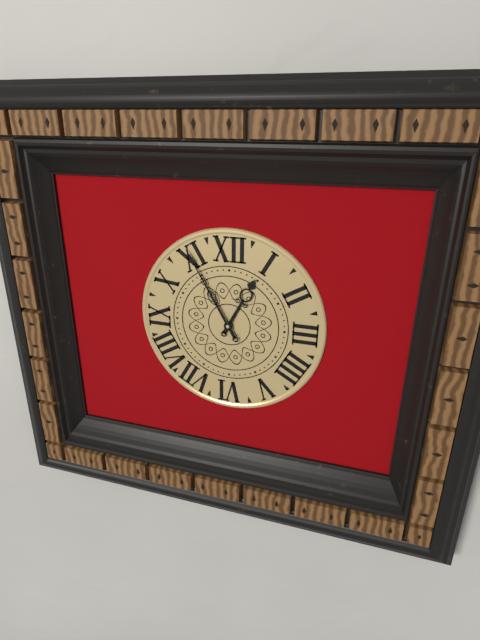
12:55
